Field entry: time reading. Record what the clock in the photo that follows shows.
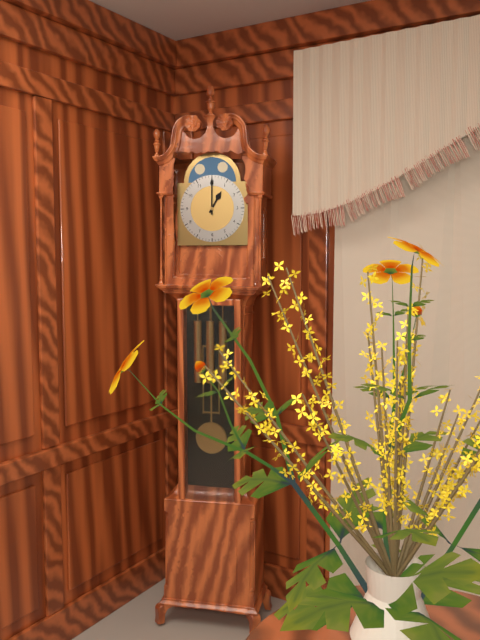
1:00
